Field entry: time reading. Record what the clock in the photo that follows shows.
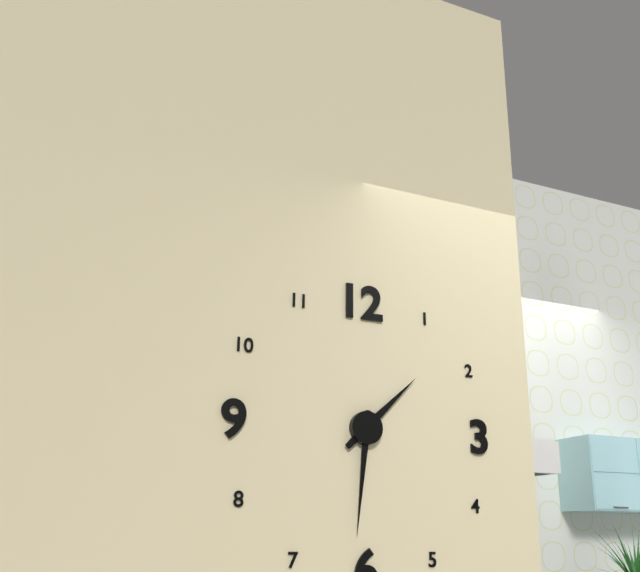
1:31
